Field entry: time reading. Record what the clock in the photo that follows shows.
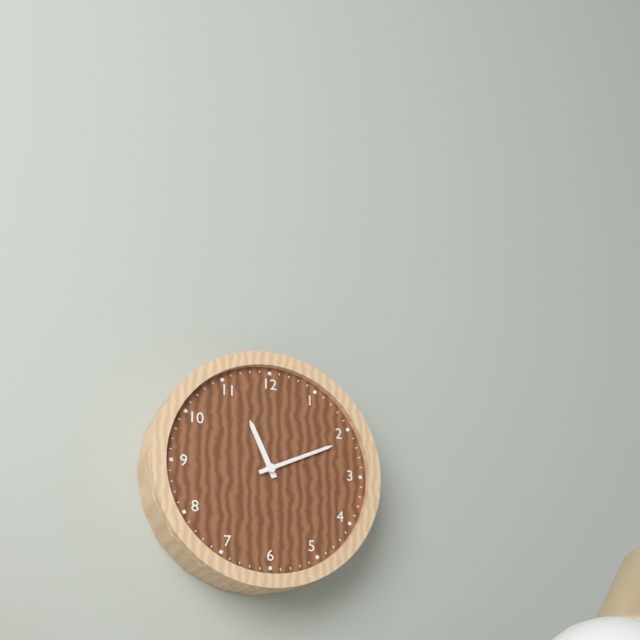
11:11
